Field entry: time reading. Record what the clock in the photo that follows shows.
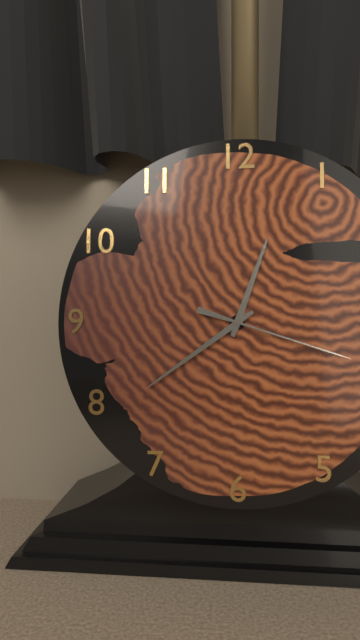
12:39:18
